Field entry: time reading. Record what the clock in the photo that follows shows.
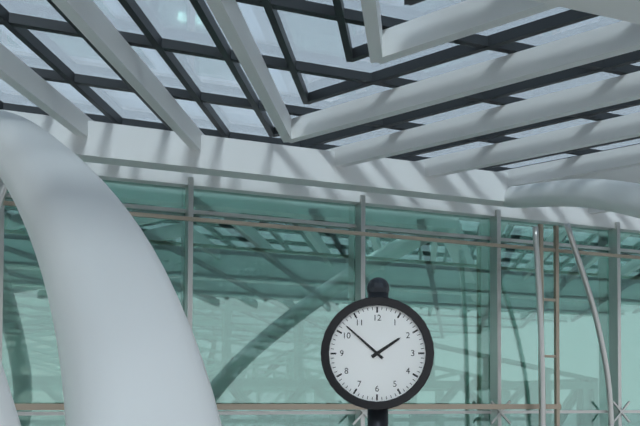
1:52
